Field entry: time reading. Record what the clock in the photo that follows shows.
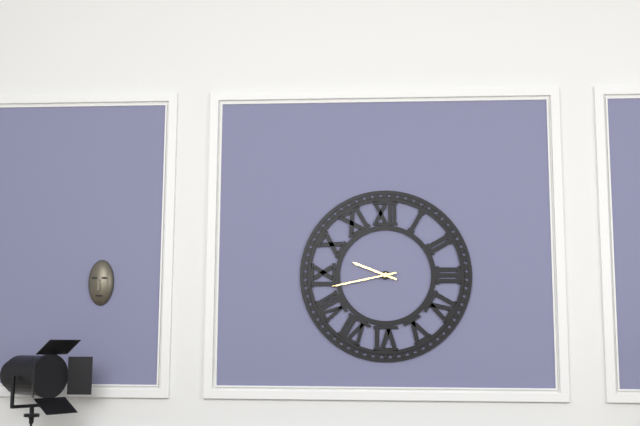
9:43
